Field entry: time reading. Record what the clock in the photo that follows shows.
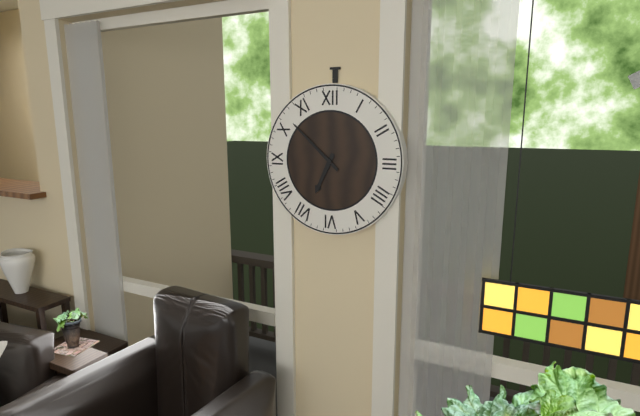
6:52
